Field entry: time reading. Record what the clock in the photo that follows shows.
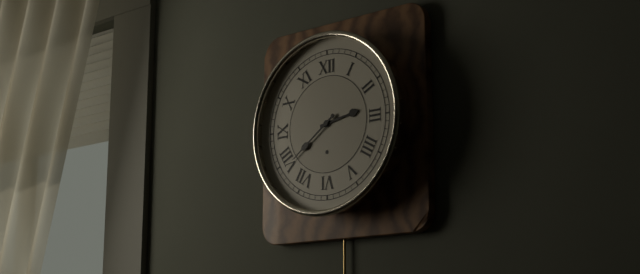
2:39
